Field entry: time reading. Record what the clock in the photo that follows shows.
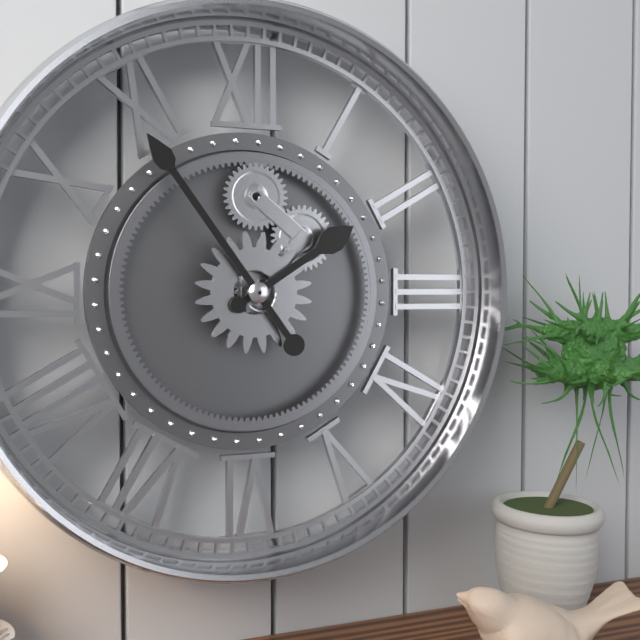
1:54
